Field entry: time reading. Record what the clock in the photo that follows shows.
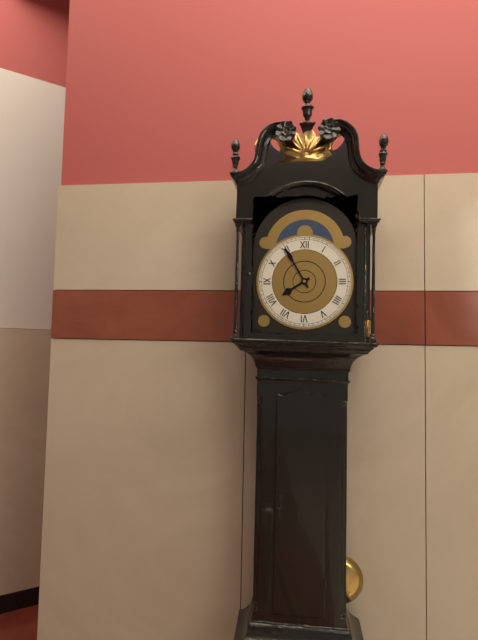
7:55
